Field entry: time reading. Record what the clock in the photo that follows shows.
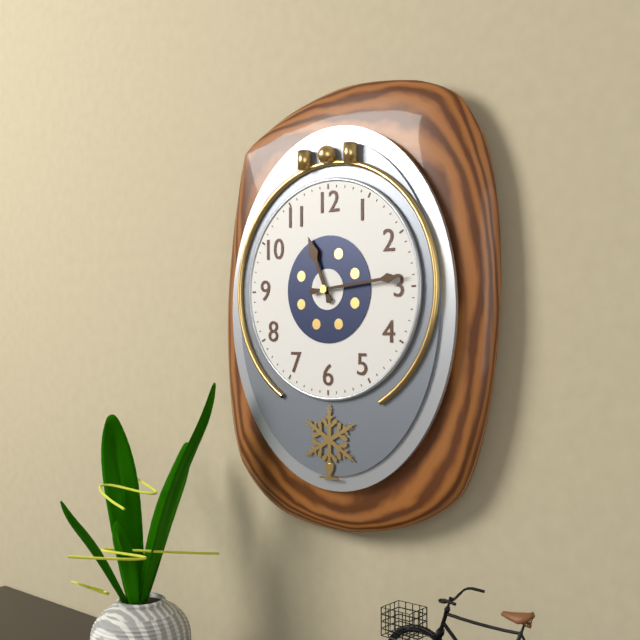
11:14
